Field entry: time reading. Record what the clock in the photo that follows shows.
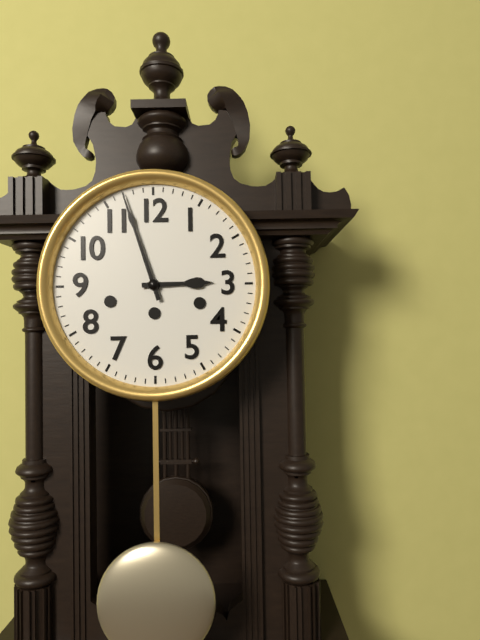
2:57
